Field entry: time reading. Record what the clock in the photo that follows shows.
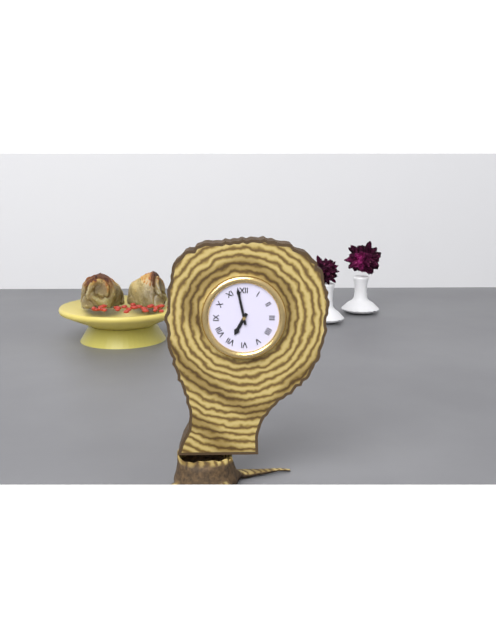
6:58
